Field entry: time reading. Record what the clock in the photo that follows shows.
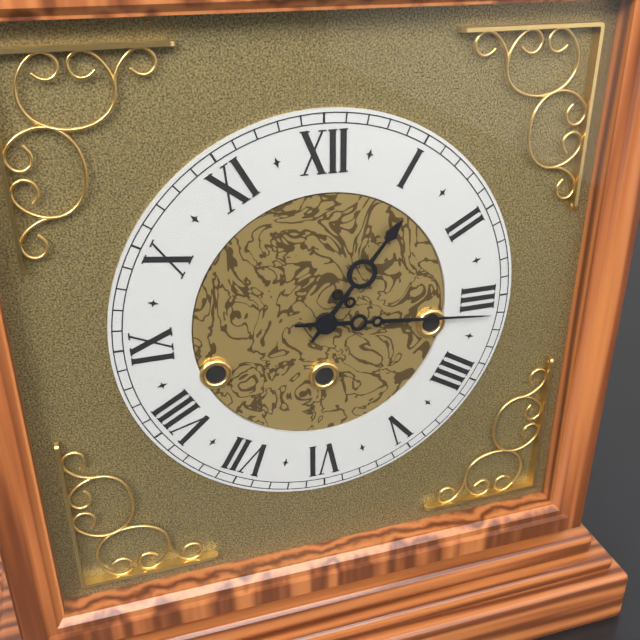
1:16
